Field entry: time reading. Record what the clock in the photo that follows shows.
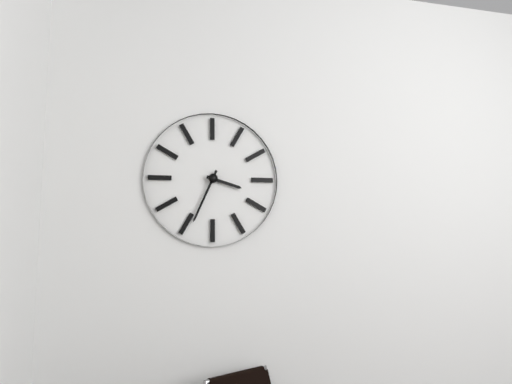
3:34
